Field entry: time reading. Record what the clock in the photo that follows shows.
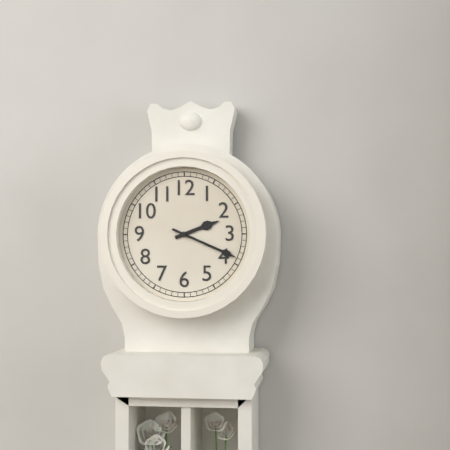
2:19
